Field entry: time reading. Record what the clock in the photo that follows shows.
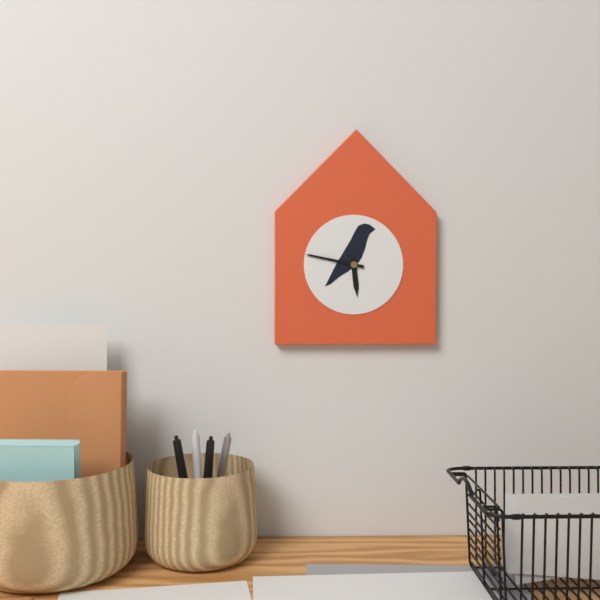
5:47
